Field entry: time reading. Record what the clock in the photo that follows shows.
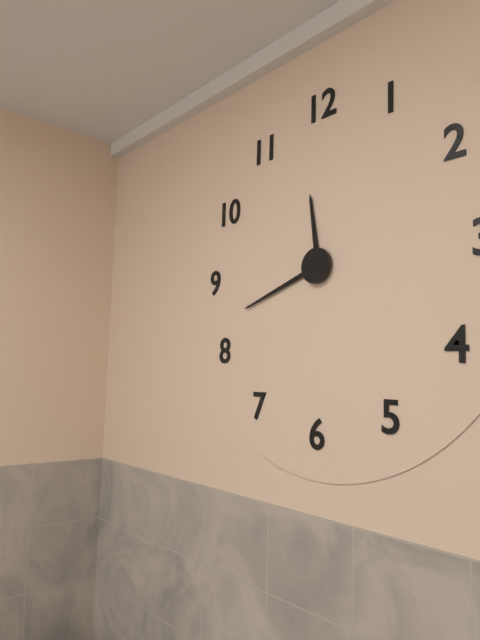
11:42
